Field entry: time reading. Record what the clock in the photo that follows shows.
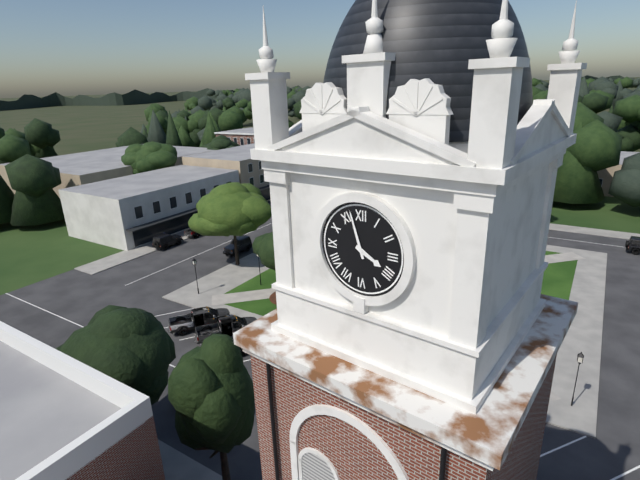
3:57
